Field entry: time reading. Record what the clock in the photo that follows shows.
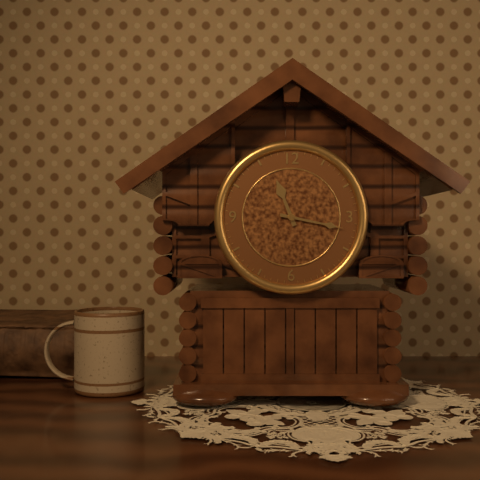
11:17
